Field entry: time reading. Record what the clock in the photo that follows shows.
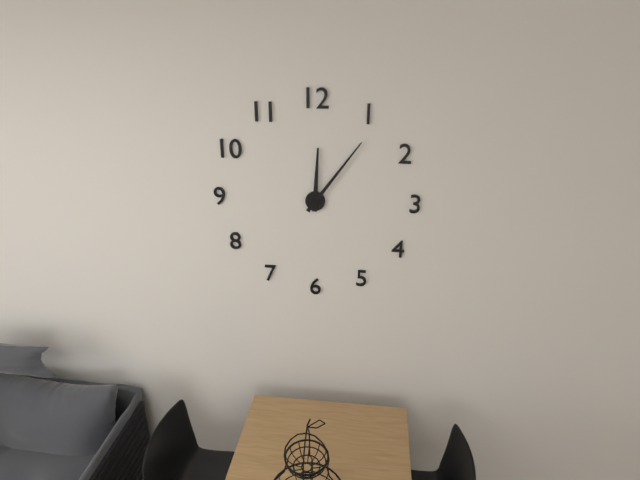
12:06
